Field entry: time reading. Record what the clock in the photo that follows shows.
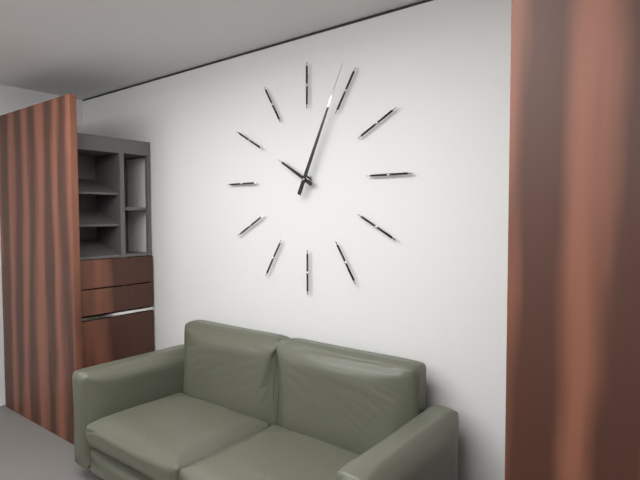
10:04
